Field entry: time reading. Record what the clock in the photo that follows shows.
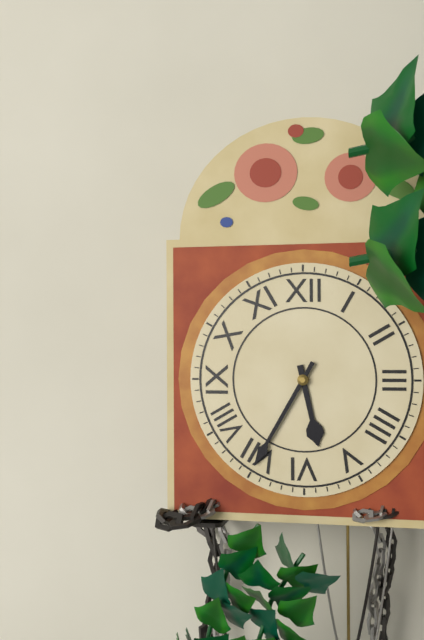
5:35
